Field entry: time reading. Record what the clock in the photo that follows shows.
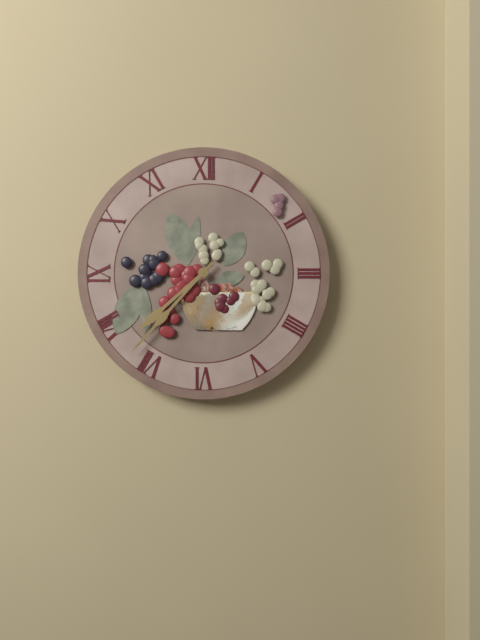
7:37
